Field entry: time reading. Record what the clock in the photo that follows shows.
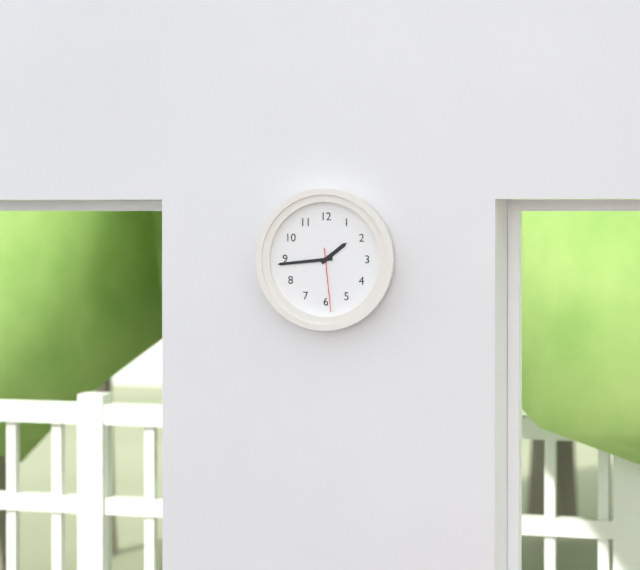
1:44:29
